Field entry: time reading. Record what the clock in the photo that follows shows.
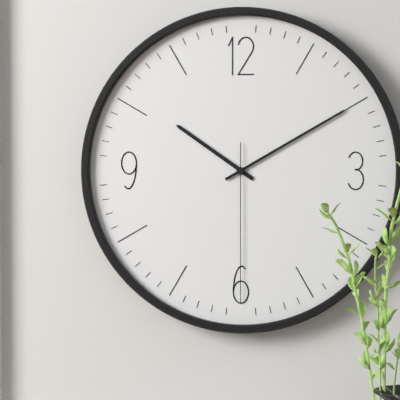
10:10:30
